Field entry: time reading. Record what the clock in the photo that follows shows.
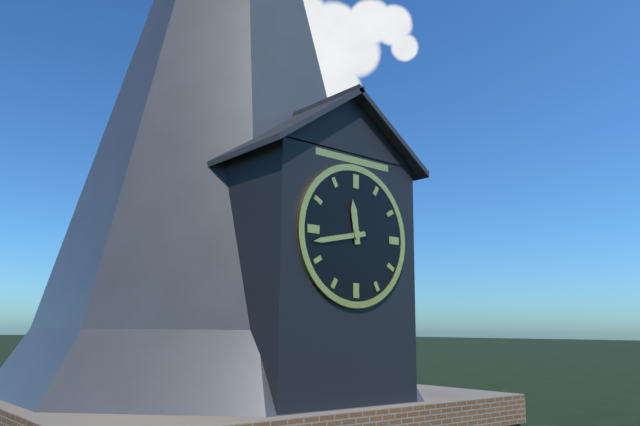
11:43
